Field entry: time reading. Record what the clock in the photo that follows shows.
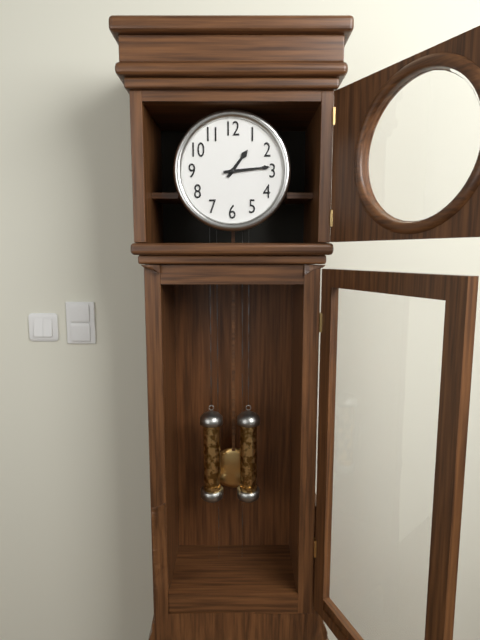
1:14
